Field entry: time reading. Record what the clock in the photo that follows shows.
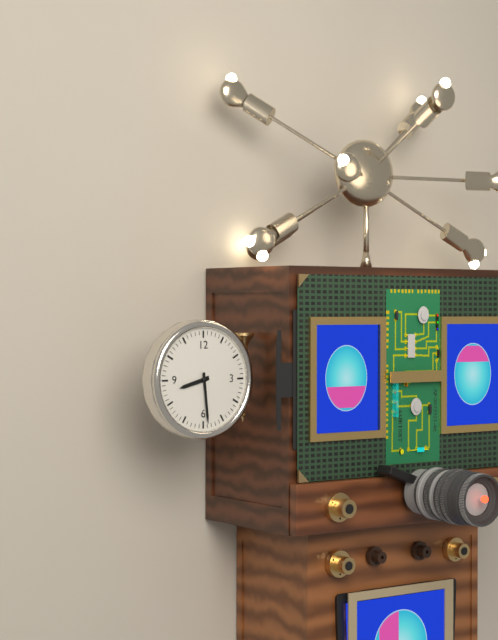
8:29
